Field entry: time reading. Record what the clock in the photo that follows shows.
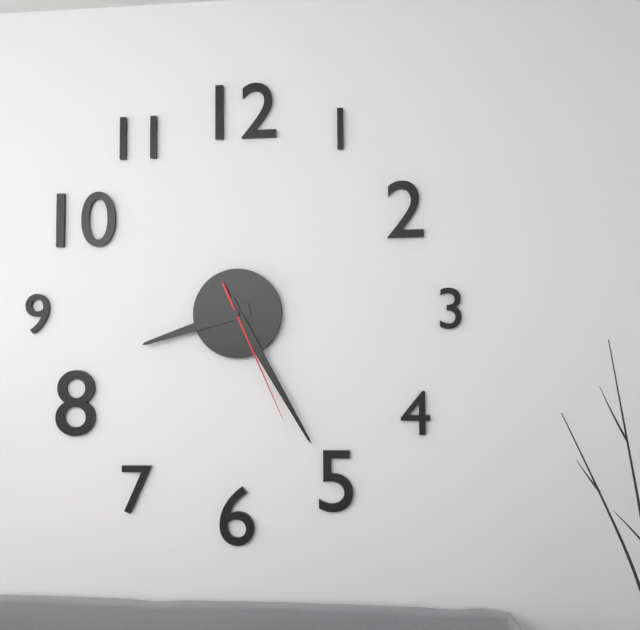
8:25:26
